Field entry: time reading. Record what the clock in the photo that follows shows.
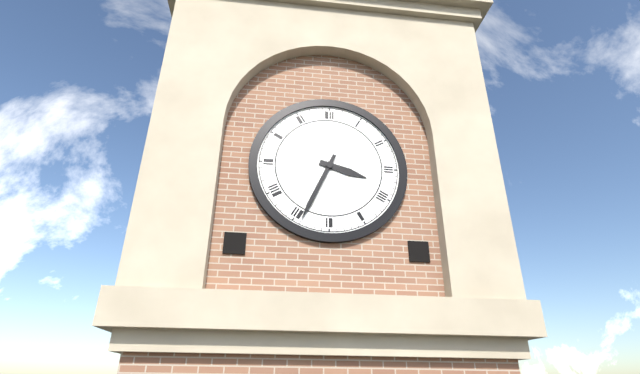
3:34
